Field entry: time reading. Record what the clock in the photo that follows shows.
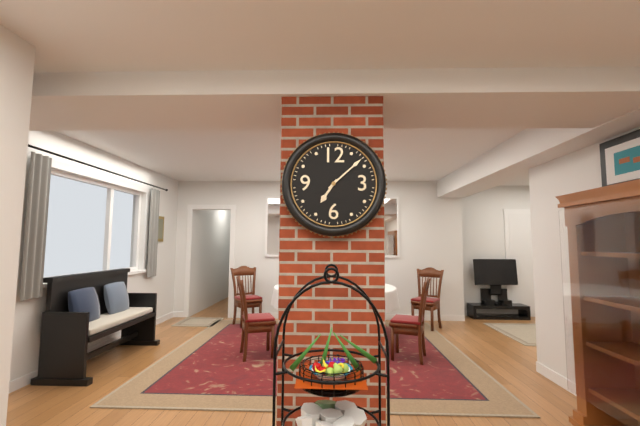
7:08
